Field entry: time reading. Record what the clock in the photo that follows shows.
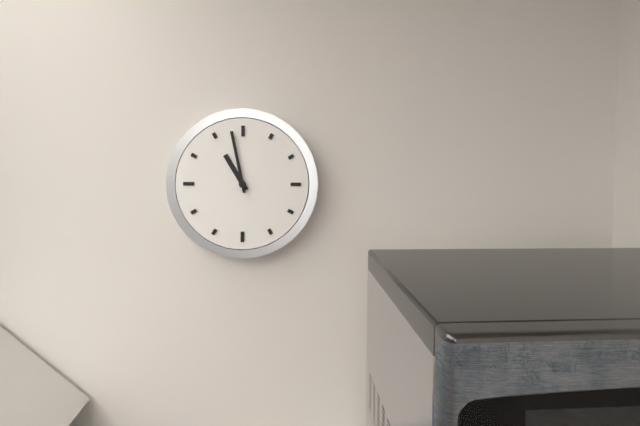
10:58
